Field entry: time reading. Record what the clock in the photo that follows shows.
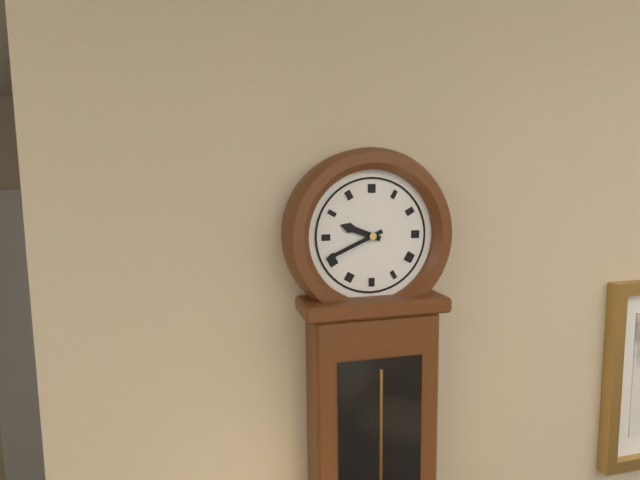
9:41
